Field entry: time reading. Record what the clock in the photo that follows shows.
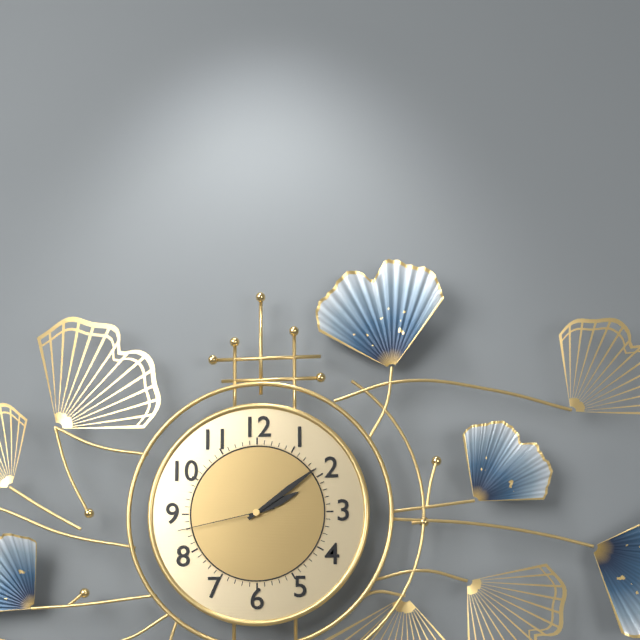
2:09:43
